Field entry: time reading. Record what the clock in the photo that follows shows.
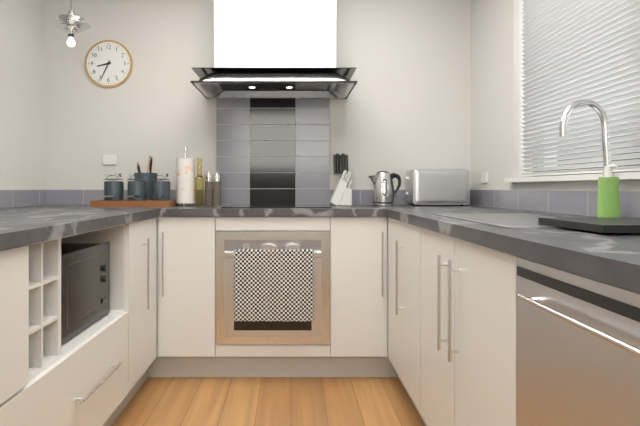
8:34
